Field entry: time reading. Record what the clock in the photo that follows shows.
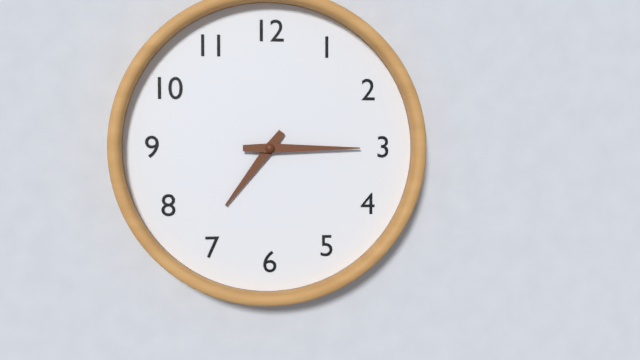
7:15
